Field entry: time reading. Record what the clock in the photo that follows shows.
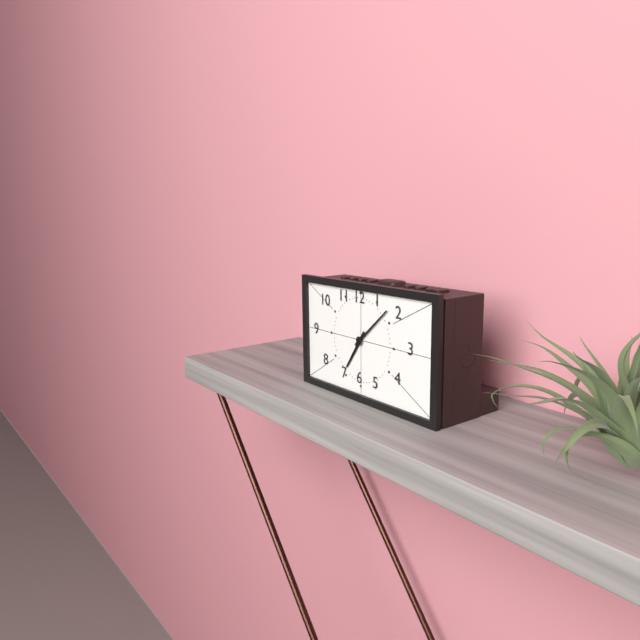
7:08
